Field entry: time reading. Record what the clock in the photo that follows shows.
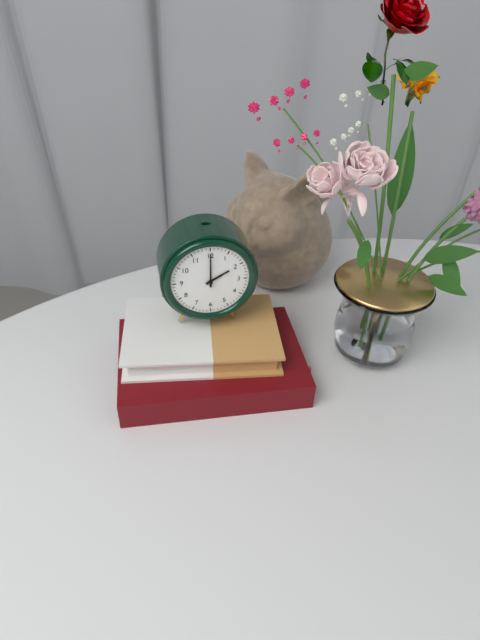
2:00
